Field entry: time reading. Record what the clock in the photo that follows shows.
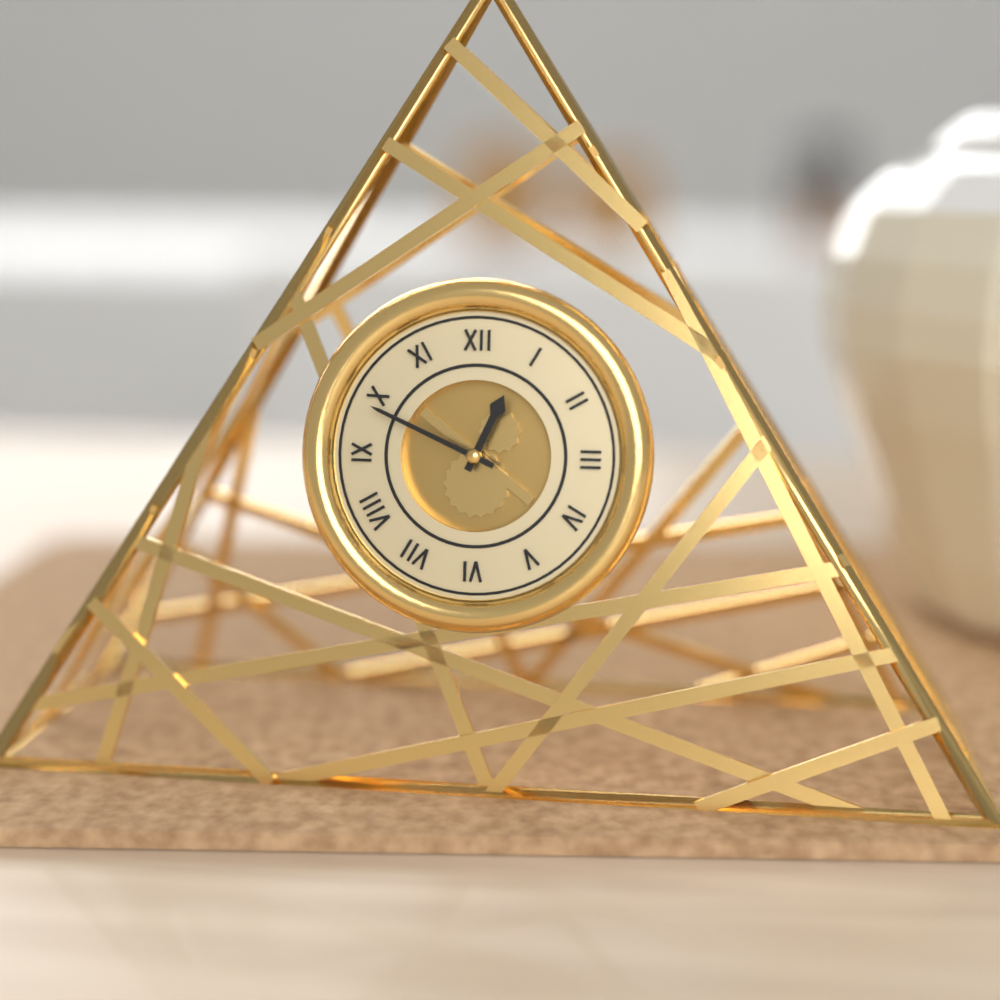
12:49
